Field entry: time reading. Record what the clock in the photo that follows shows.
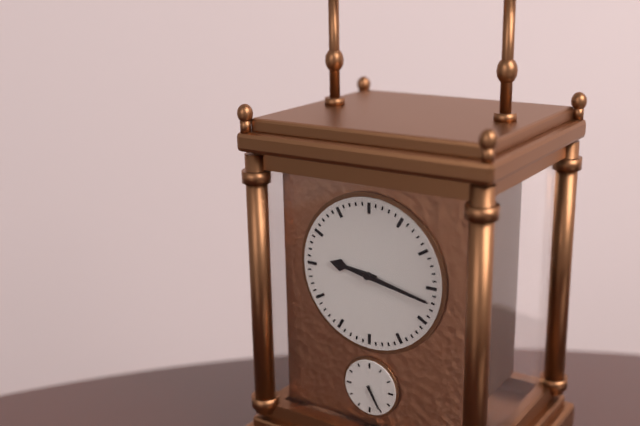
9:17
